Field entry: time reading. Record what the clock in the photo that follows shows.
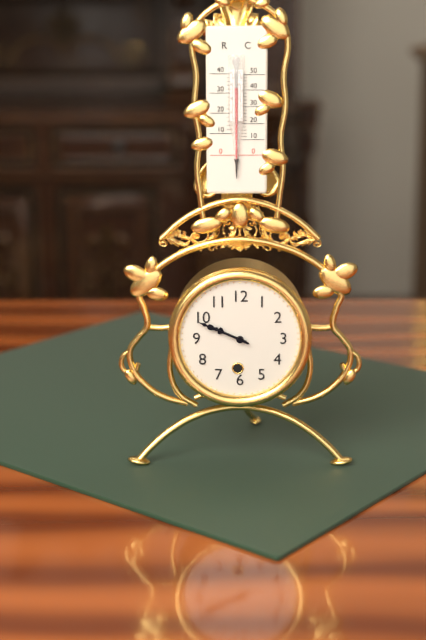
9:49
